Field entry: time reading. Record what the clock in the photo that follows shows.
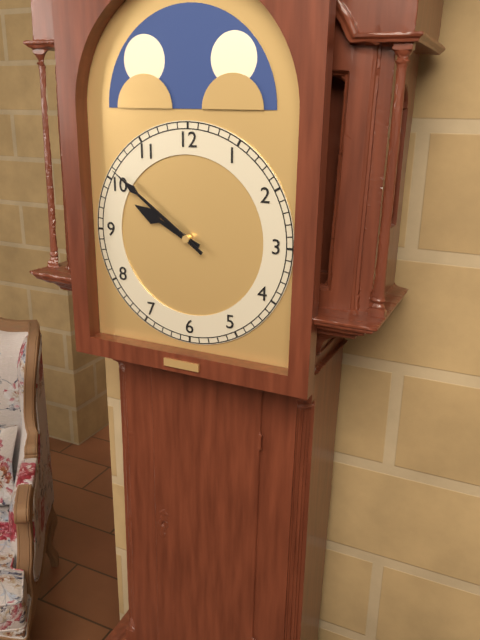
9:51
